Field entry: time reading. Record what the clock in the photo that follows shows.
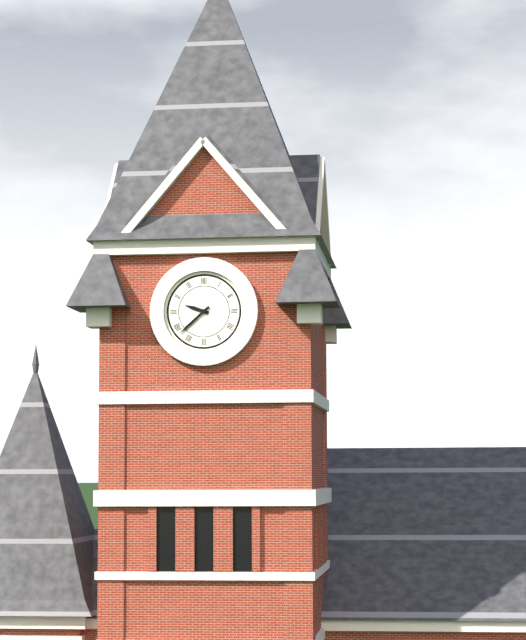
9:38
